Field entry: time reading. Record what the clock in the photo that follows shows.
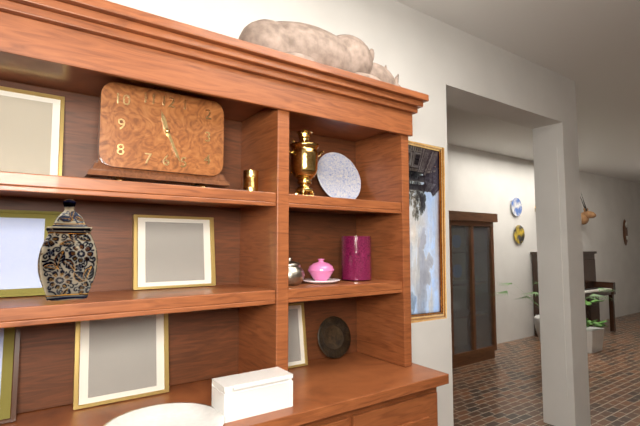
11:26
